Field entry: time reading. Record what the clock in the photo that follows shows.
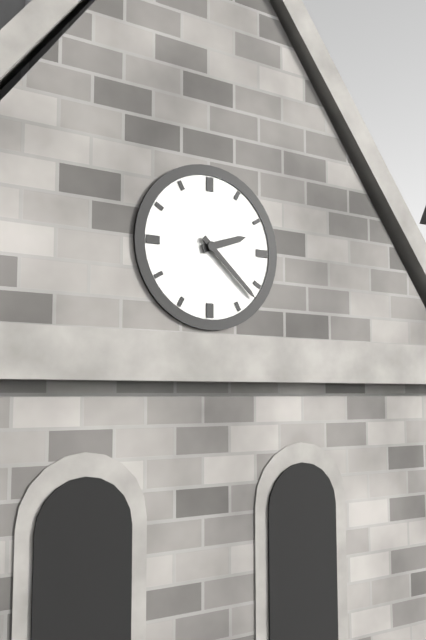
2:22
